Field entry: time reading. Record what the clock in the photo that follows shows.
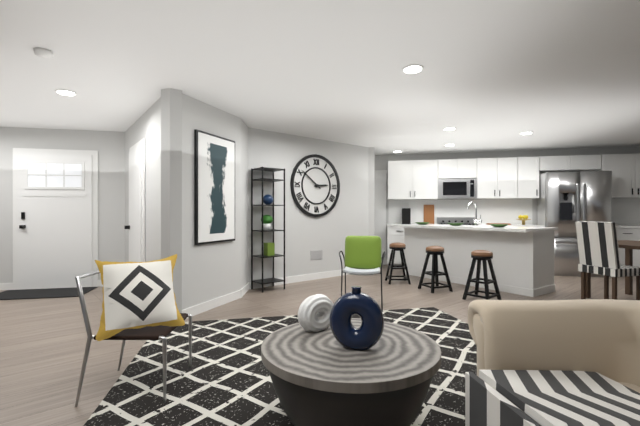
2:51
